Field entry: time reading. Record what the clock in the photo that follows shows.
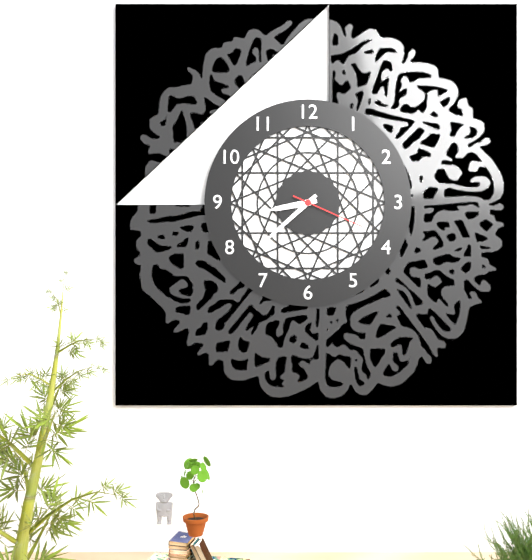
8:38:19
